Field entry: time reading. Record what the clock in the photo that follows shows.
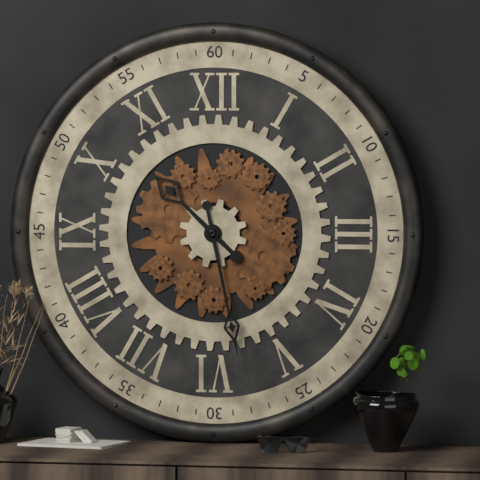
10:28
